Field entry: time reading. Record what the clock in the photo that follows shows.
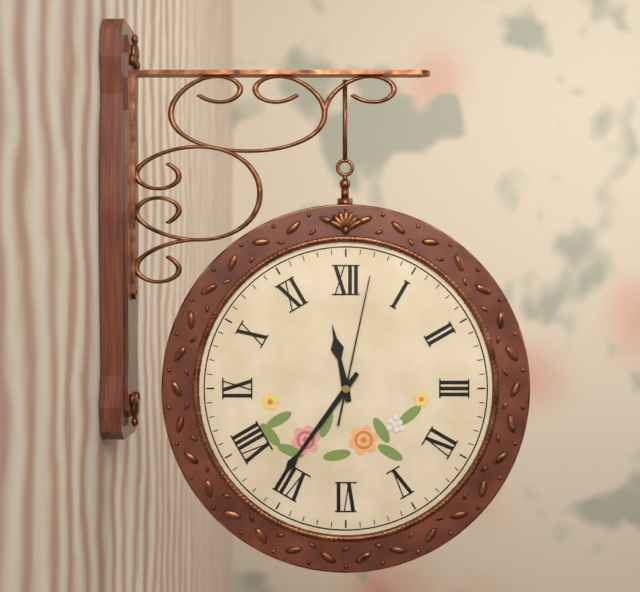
11:36:02
